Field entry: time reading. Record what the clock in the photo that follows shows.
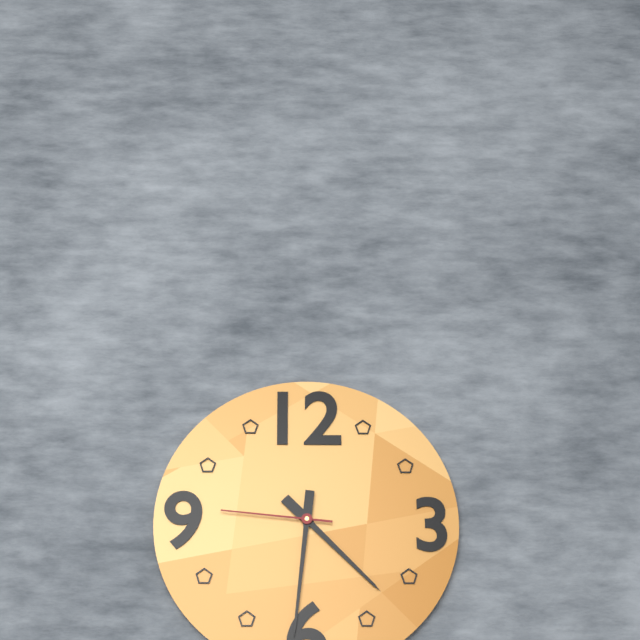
4:31:46
